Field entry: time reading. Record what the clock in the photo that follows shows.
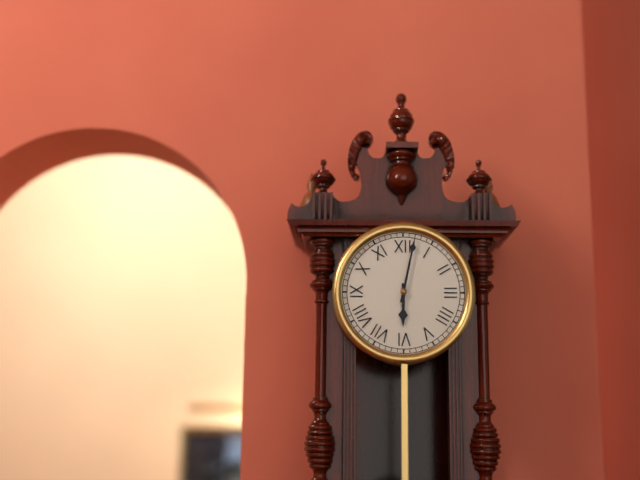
6:02
